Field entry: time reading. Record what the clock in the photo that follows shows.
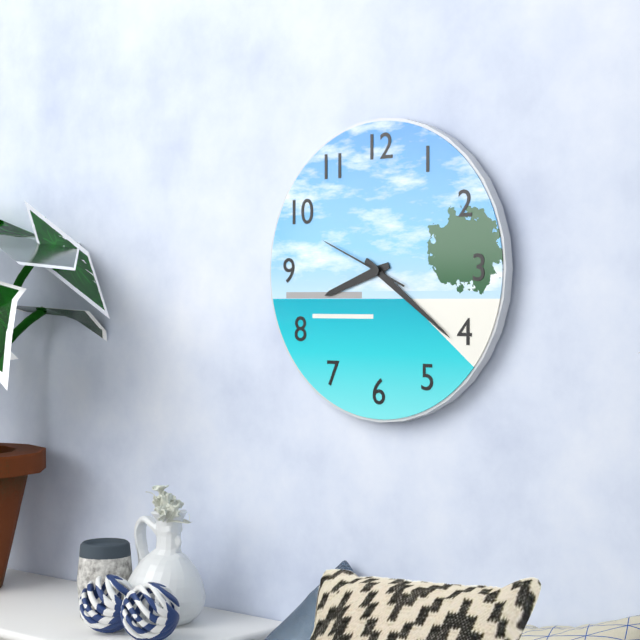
8:21:49
